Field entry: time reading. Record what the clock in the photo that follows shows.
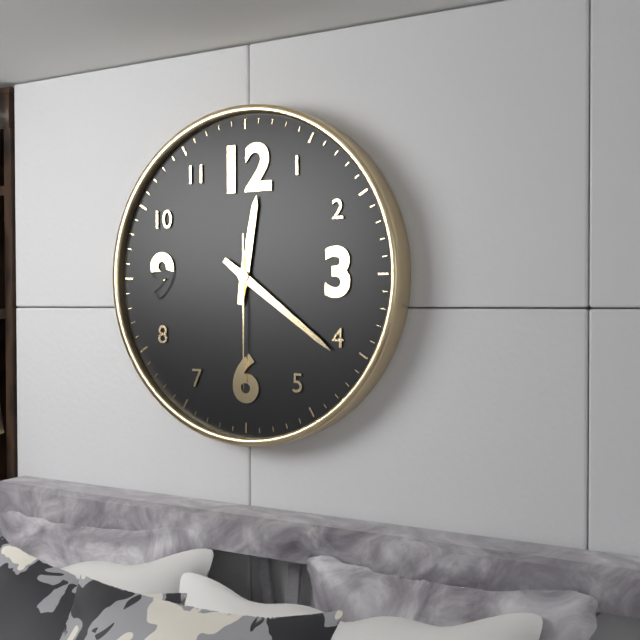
12:21:30
